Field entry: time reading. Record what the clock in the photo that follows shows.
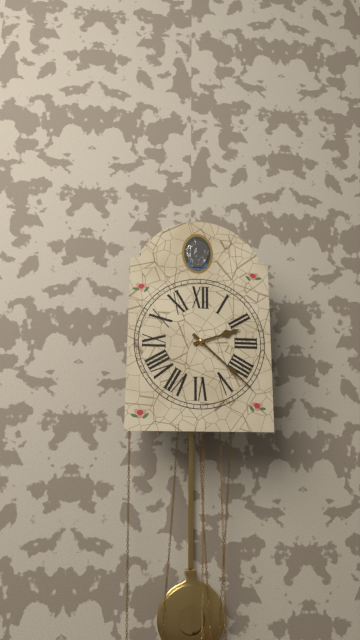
2:22
